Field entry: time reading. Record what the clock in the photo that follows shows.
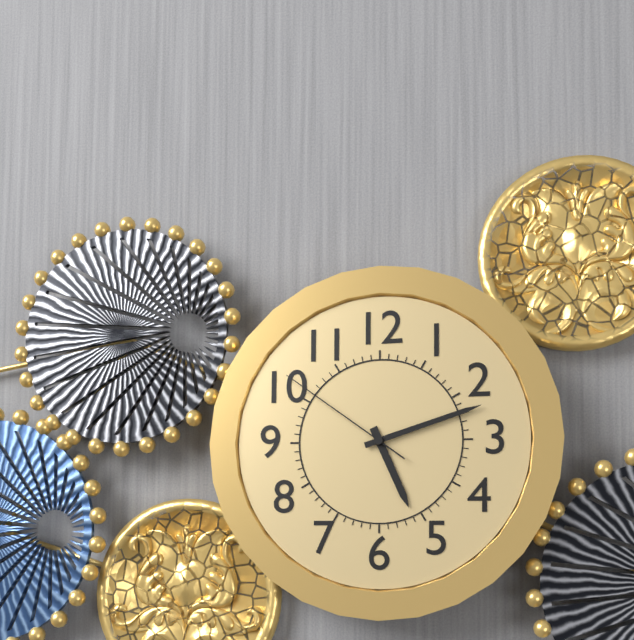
5:12:51
